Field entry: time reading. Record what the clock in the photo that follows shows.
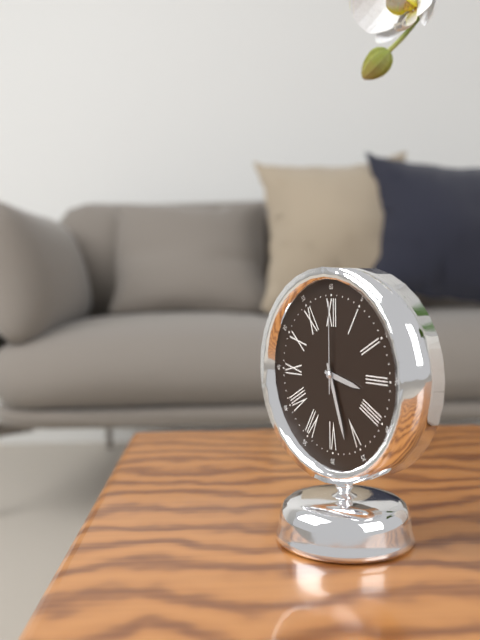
3:27:00
